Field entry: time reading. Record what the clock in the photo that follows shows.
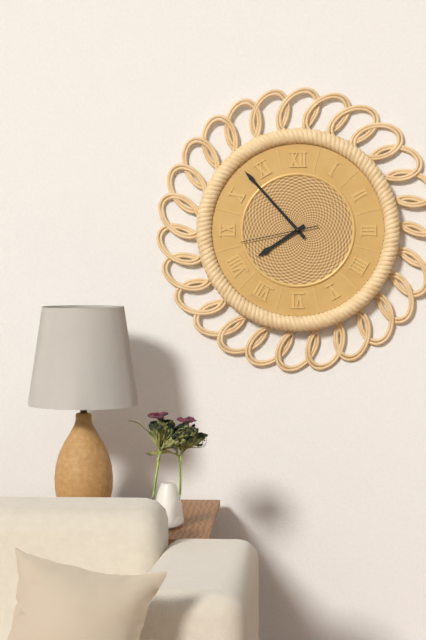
7:53:43
